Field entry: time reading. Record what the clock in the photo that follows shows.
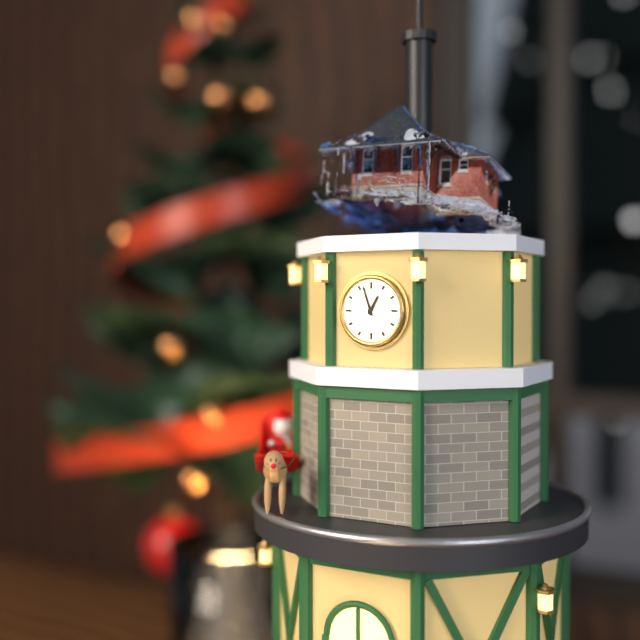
12:57
